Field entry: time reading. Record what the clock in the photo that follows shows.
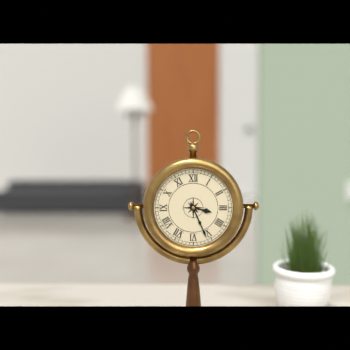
3:26
